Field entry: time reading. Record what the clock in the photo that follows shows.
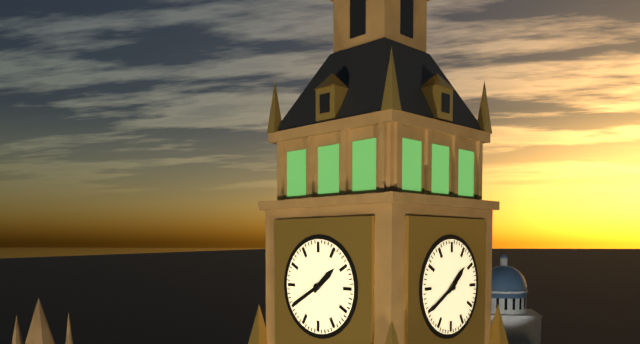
1:40
